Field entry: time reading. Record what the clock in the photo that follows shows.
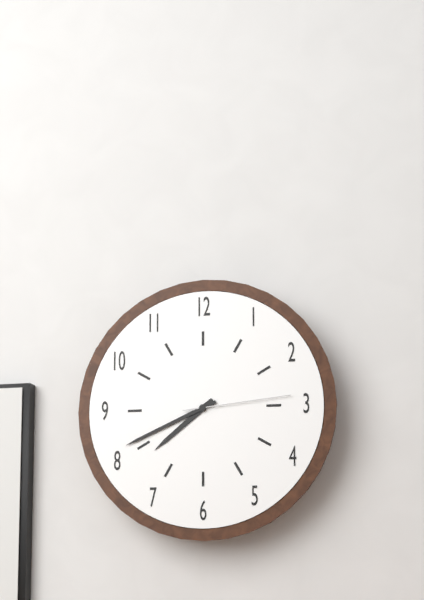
7:41:14
